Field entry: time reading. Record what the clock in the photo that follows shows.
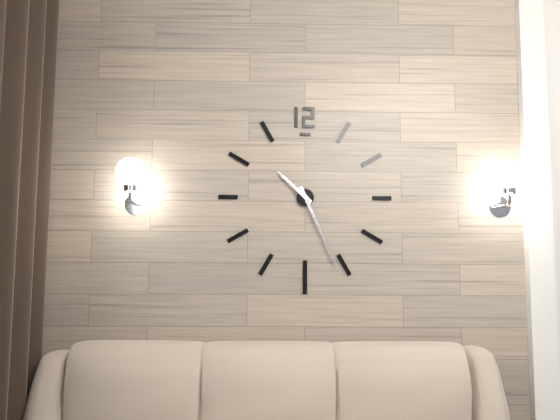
10:26
